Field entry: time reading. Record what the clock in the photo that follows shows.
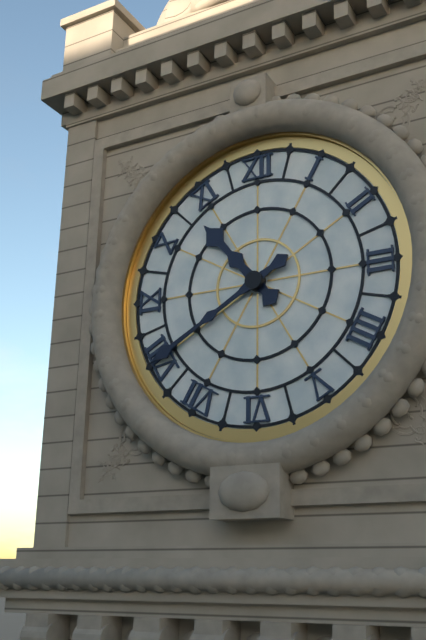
10:40
